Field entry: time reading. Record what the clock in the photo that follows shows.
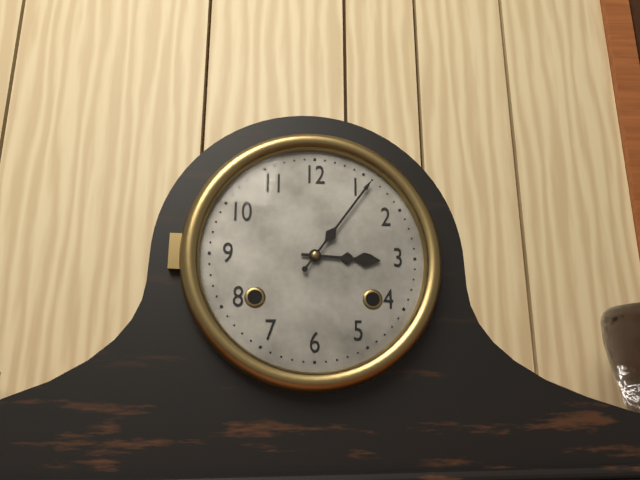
3:06
